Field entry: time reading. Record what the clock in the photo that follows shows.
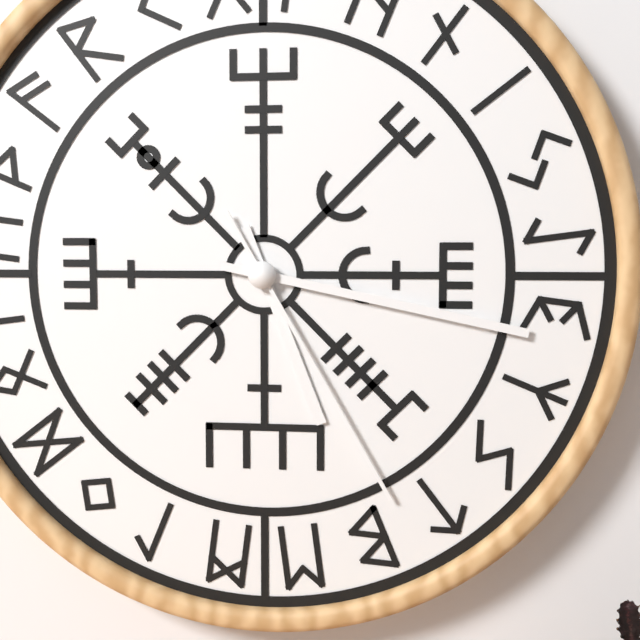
5:17:25
